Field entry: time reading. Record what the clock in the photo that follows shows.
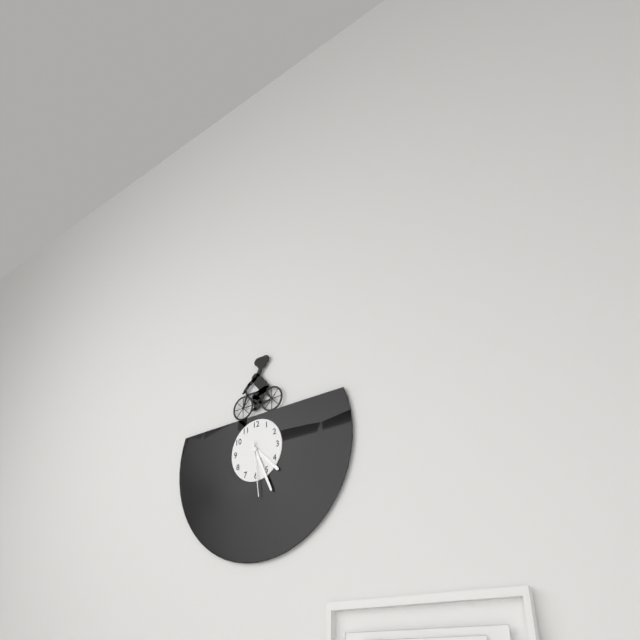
4:26:29
